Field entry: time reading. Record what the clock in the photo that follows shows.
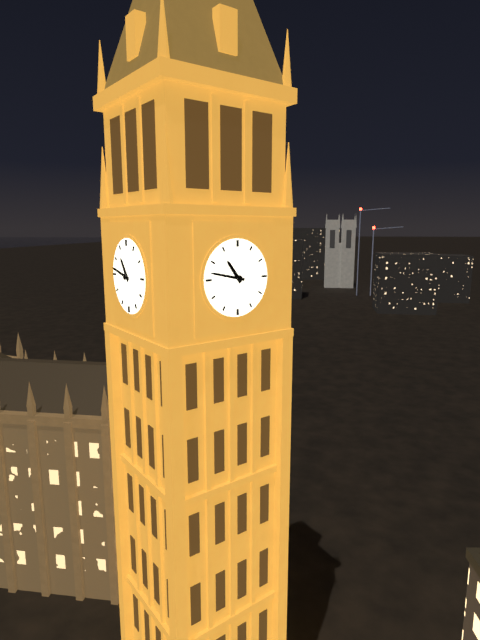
10:47
